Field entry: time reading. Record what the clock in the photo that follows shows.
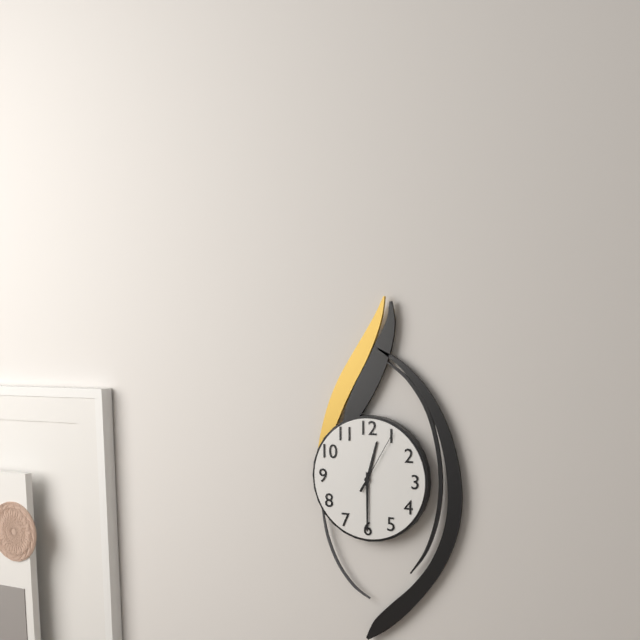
12:30:05
